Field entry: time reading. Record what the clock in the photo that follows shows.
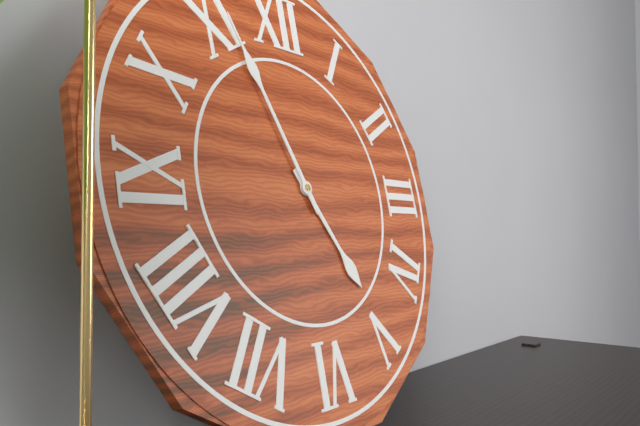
4:56
